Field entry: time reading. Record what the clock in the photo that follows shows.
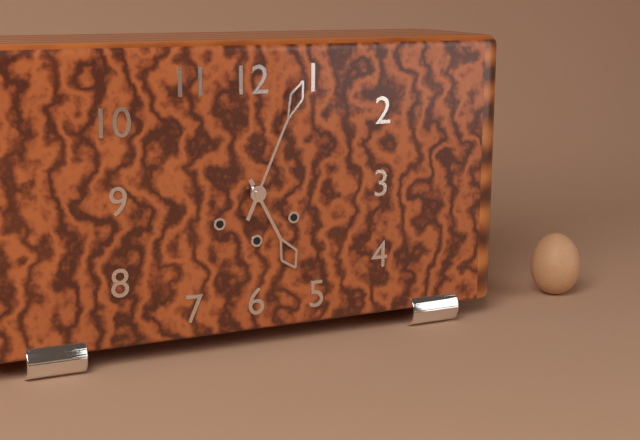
5:04
